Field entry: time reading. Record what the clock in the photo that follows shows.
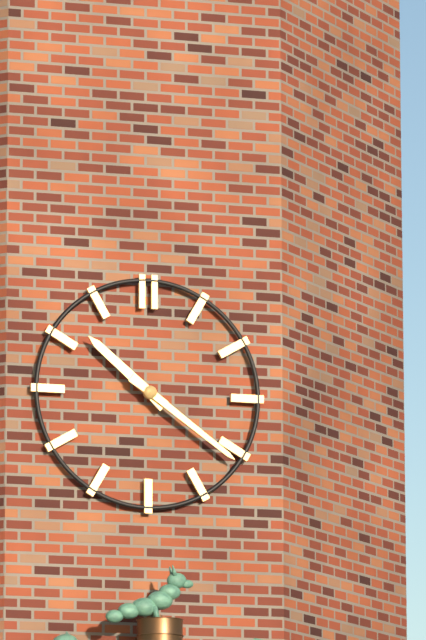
10:21
